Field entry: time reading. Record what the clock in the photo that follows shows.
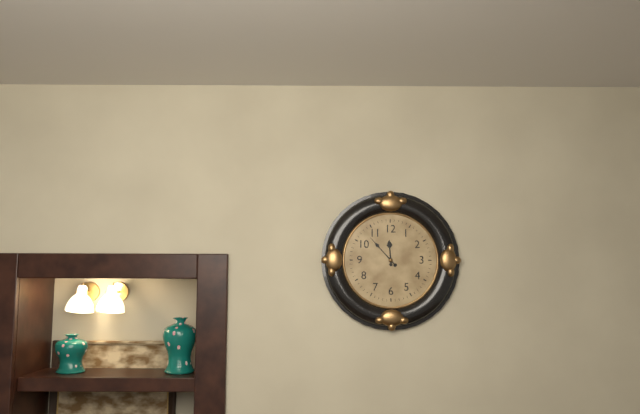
11:53
